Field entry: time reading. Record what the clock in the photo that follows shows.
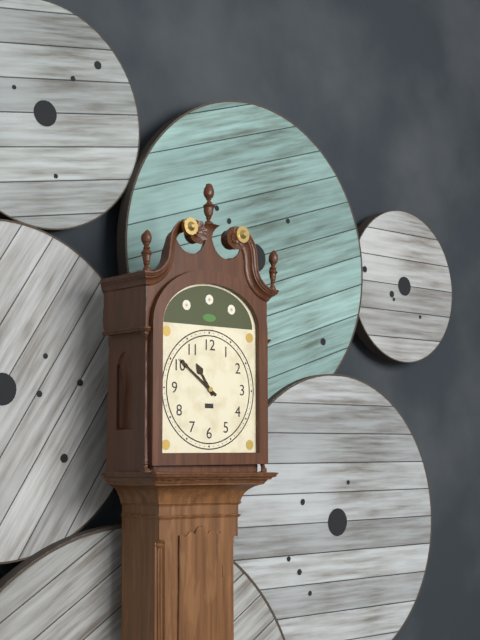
10:51
